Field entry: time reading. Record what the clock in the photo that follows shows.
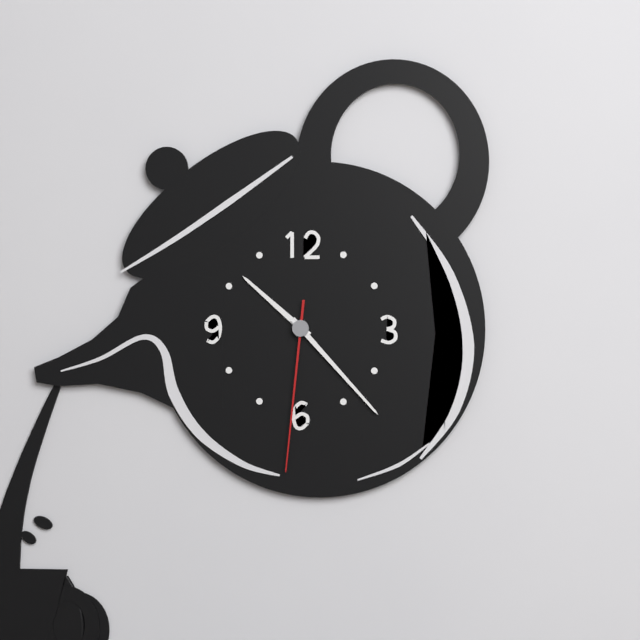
10:23:31
